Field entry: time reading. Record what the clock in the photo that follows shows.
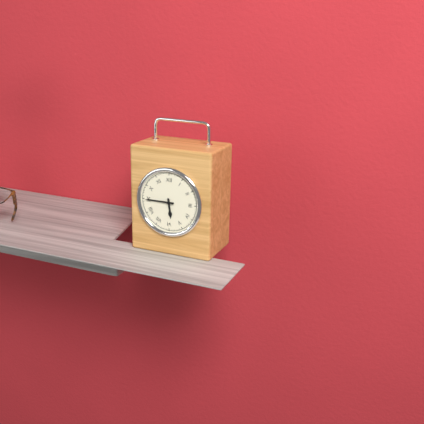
5:45
